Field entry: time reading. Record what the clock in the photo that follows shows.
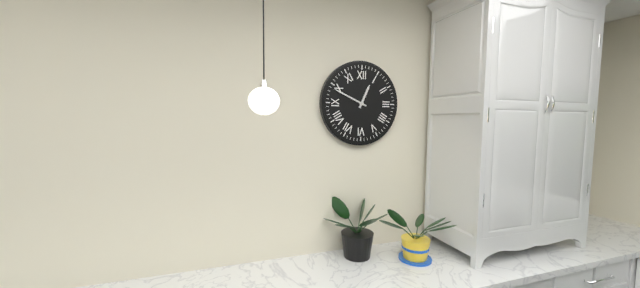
12:49
